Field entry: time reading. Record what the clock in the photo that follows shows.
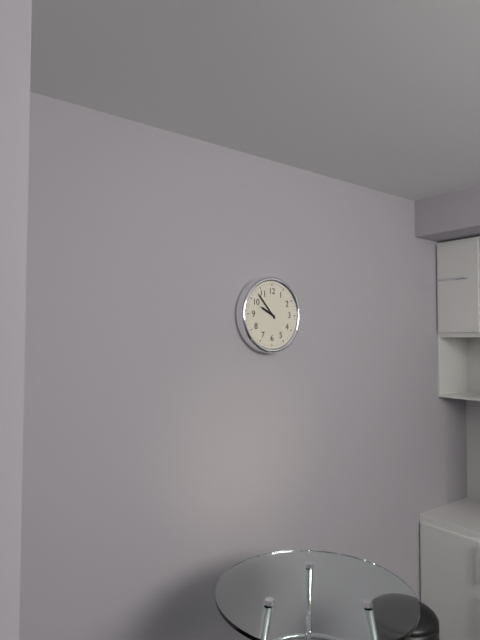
9:53
